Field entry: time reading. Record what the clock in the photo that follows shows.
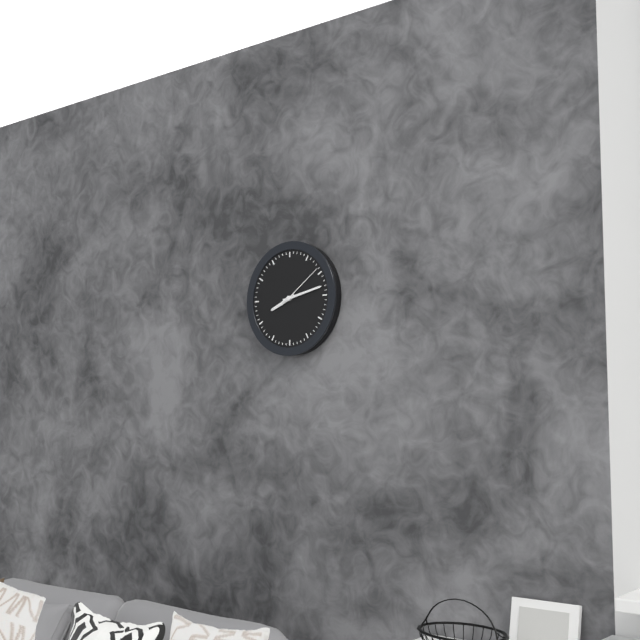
8:13
